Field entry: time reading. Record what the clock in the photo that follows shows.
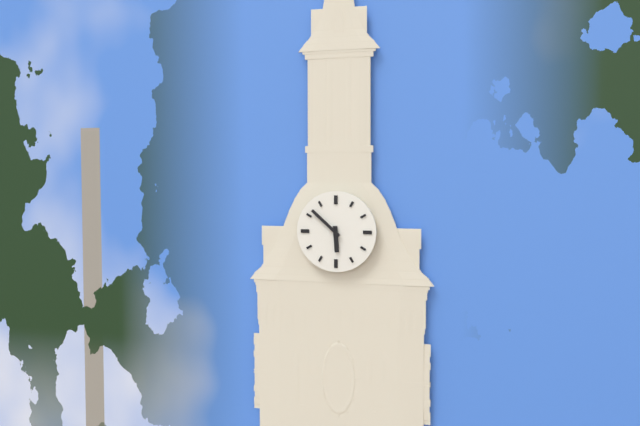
5:52
